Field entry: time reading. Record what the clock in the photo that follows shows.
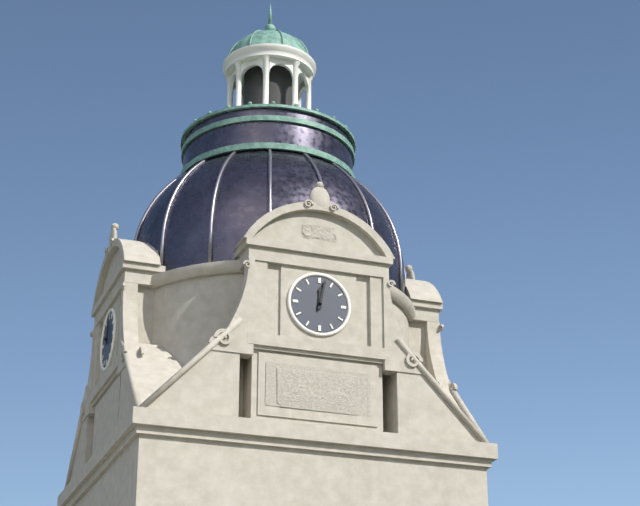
12:02
